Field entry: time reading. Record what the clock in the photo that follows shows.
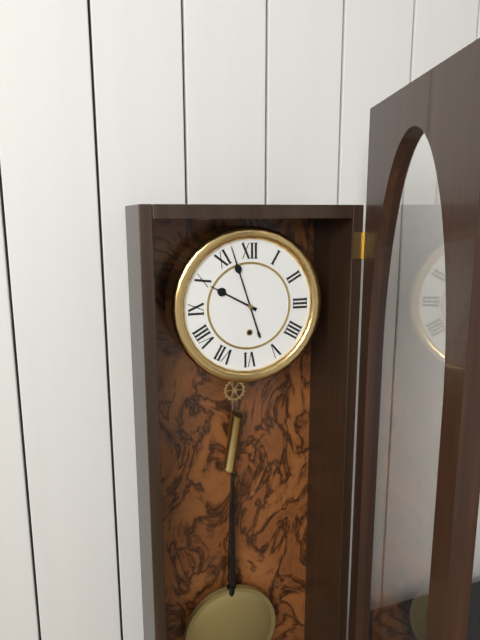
9:57
